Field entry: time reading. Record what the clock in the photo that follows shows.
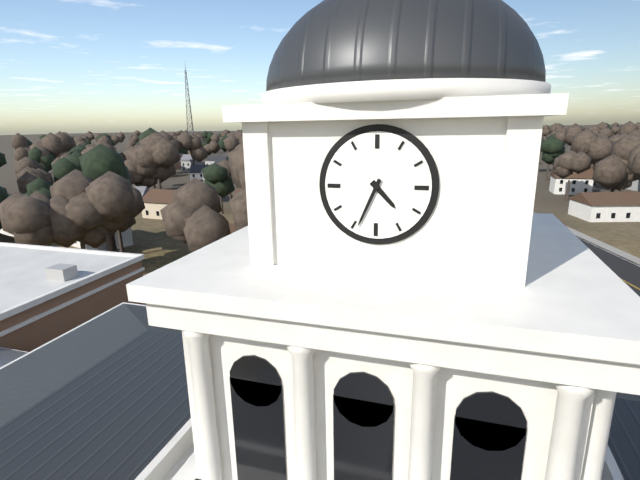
4:34
